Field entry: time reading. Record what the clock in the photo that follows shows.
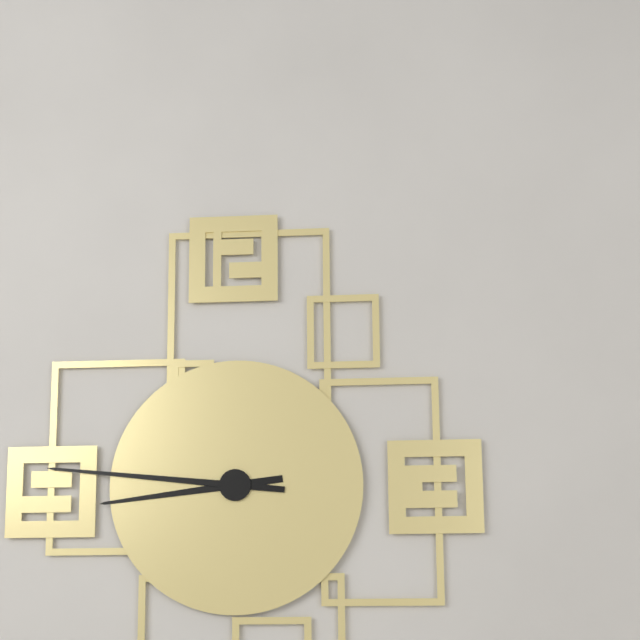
8:46
